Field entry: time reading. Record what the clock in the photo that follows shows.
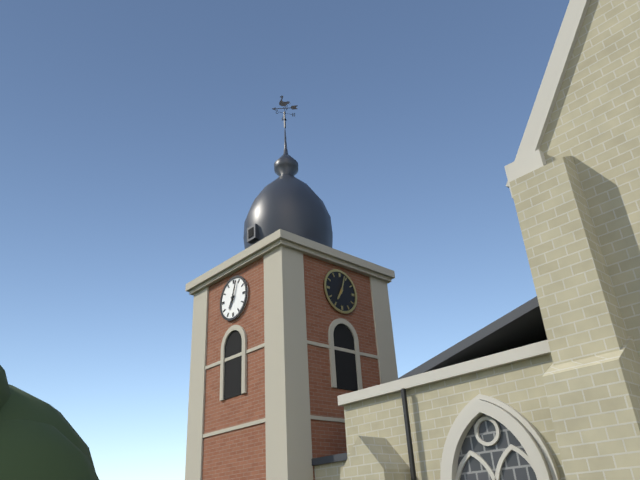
7:03
